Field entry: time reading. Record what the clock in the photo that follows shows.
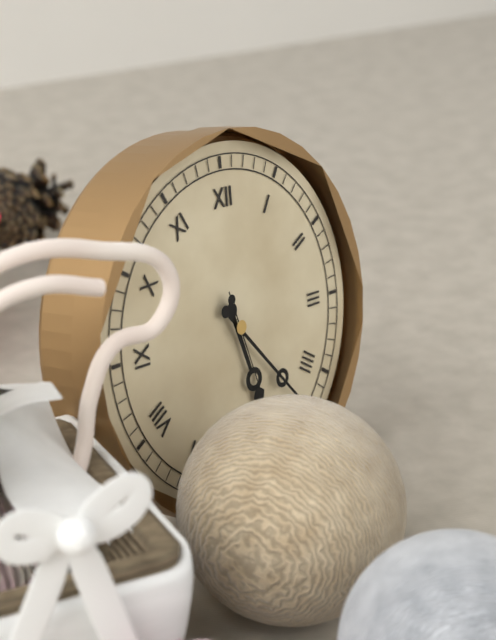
5:23
